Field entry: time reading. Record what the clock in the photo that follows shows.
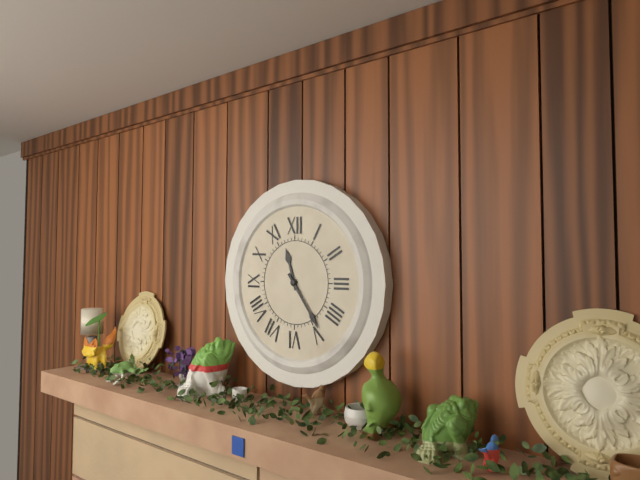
11:24
